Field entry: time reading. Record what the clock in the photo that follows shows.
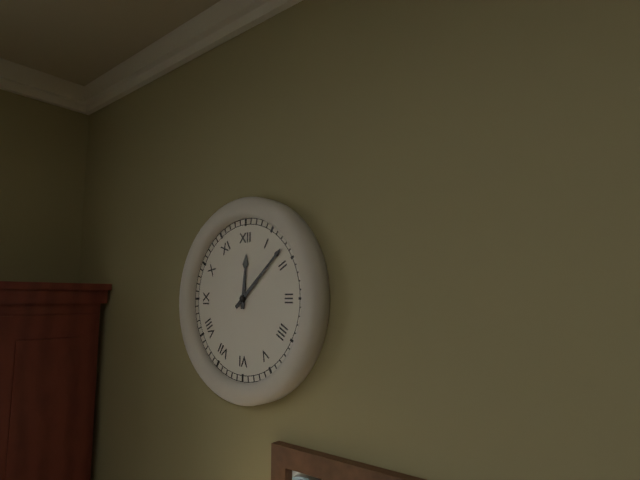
12:08
